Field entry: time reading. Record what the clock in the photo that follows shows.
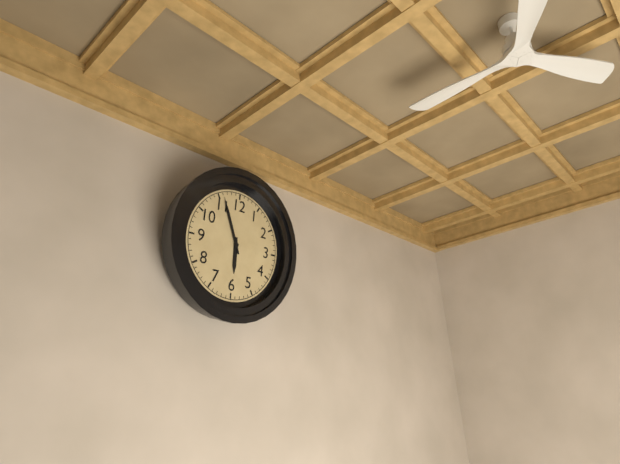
5:56
